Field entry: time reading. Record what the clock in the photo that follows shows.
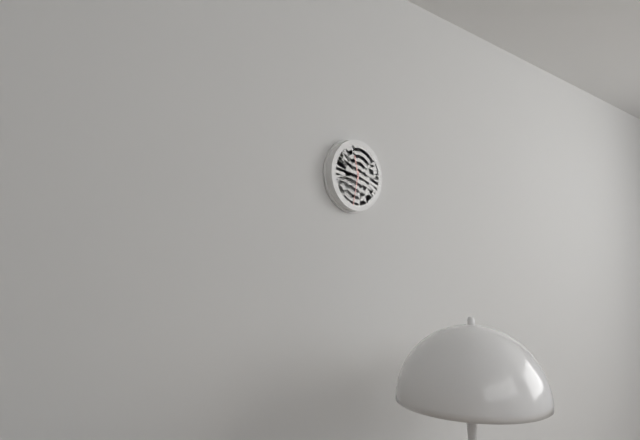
11:32
